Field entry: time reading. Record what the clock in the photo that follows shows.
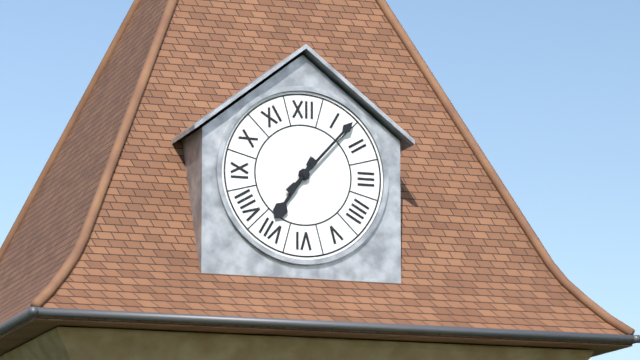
7:07
